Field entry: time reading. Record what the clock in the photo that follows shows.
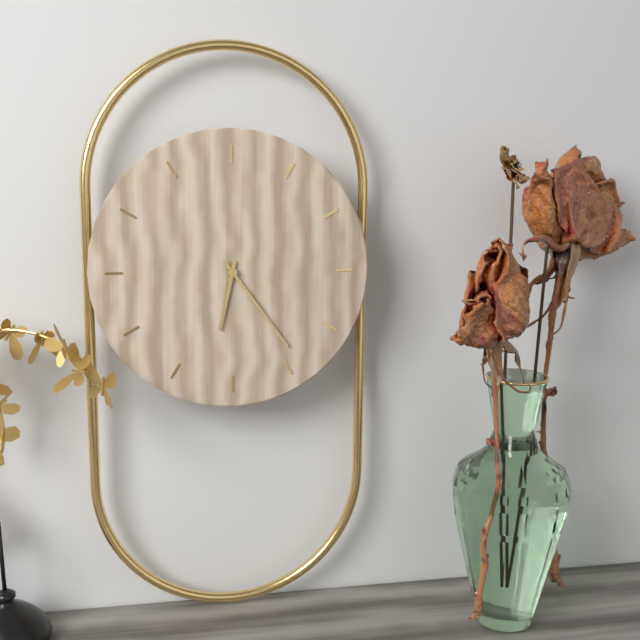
6:24
